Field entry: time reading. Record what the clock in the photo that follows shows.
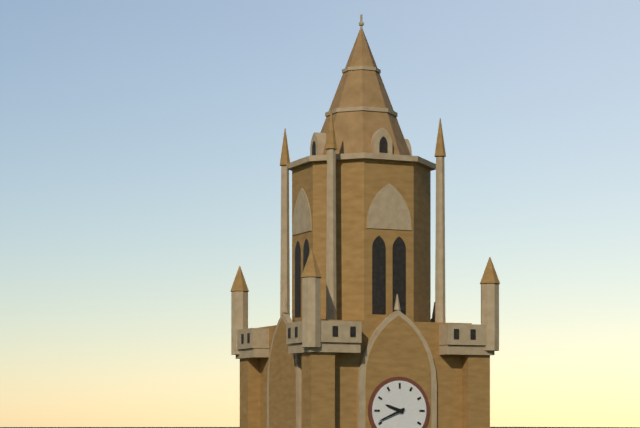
9:41
